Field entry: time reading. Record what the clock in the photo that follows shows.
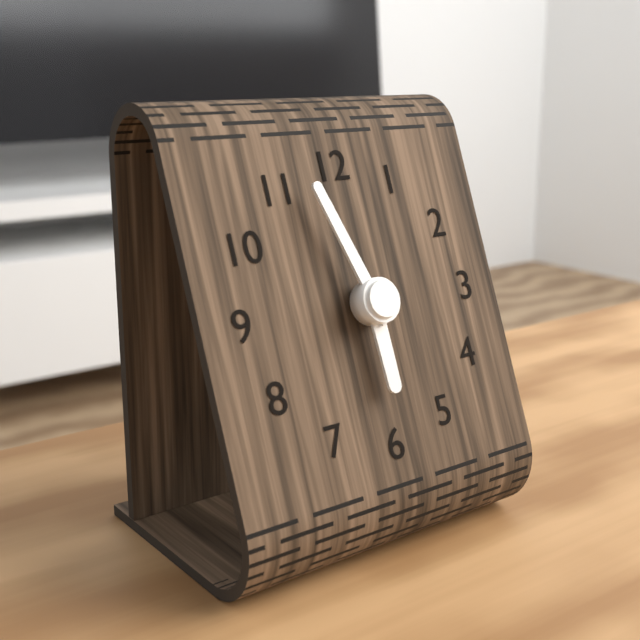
5:57
